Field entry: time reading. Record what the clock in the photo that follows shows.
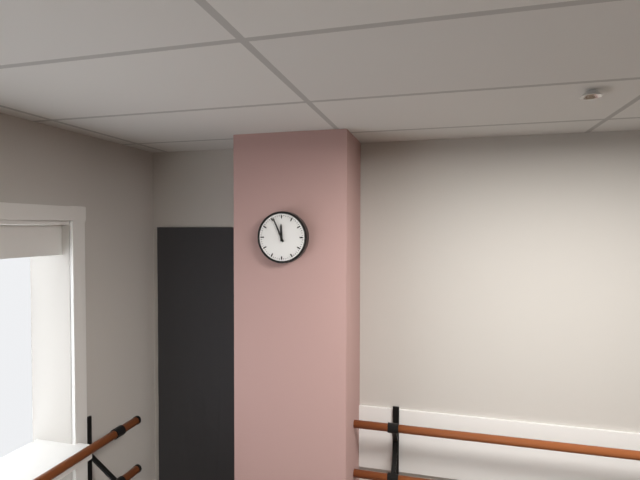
11:56
